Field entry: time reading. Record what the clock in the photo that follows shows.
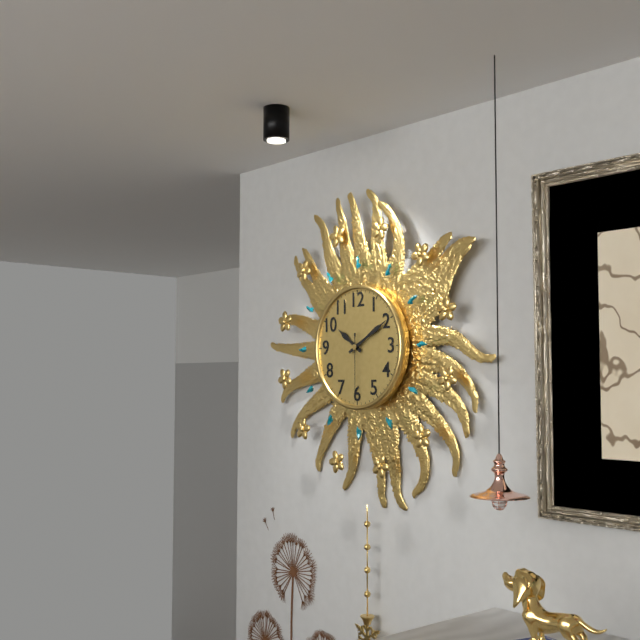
10:10:30
